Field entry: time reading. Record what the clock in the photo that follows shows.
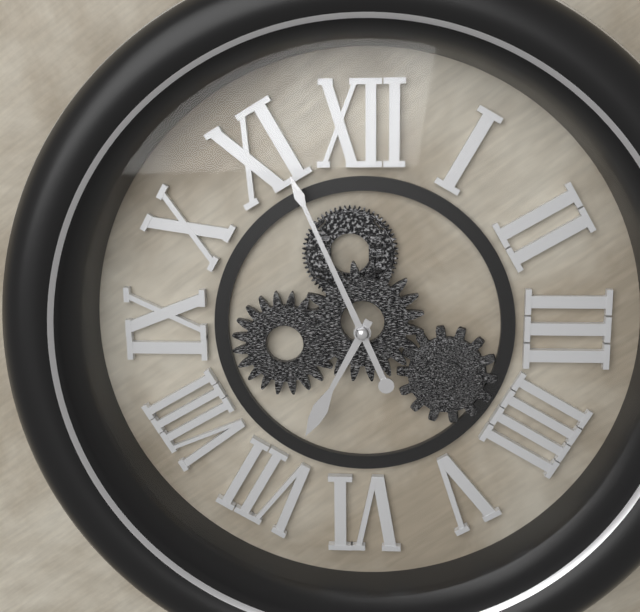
6:56
